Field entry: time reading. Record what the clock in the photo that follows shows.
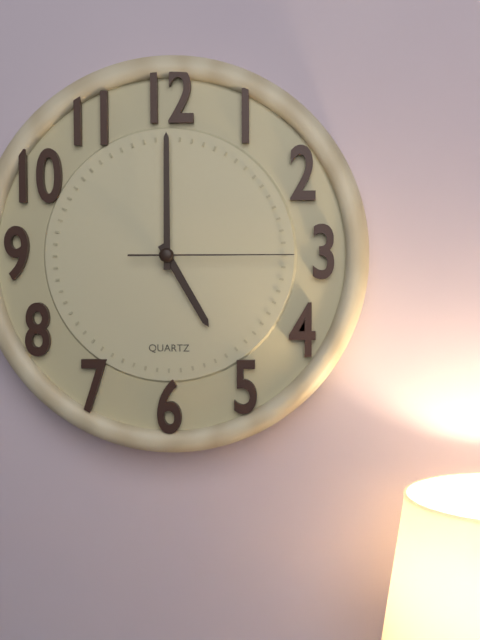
5:00:15
